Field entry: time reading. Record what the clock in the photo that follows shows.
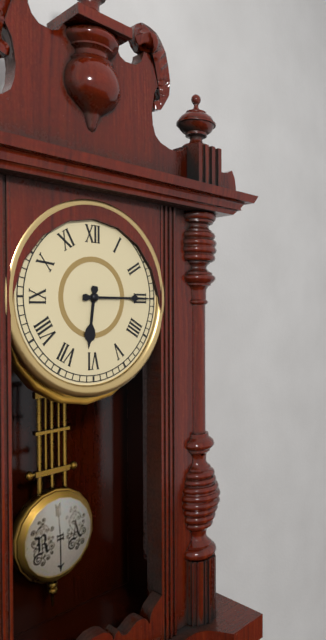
6:15
